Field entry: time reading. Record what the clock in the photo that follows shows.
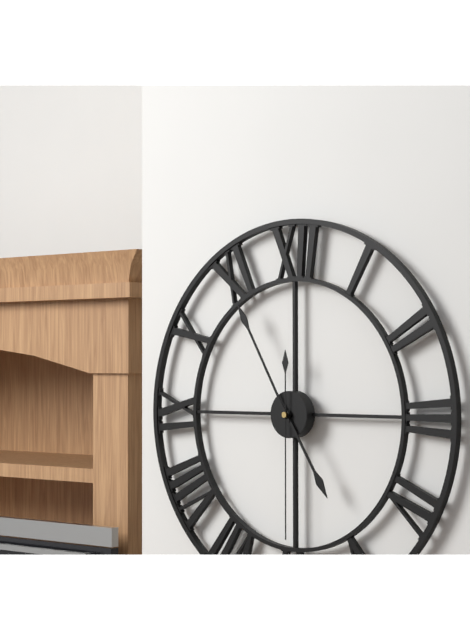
4:55:30
